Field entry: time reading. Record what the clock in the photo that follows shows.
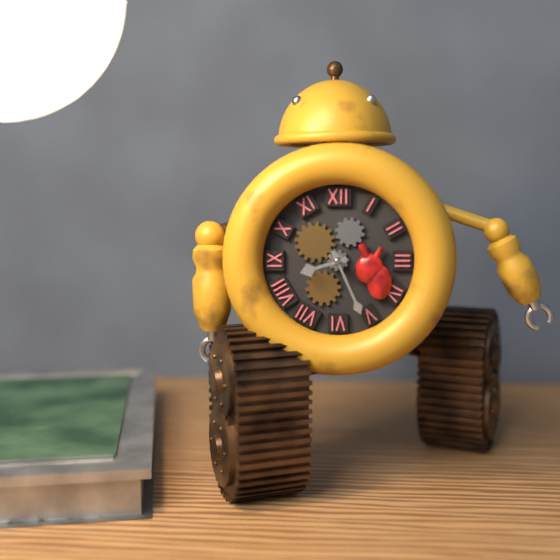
8:26
